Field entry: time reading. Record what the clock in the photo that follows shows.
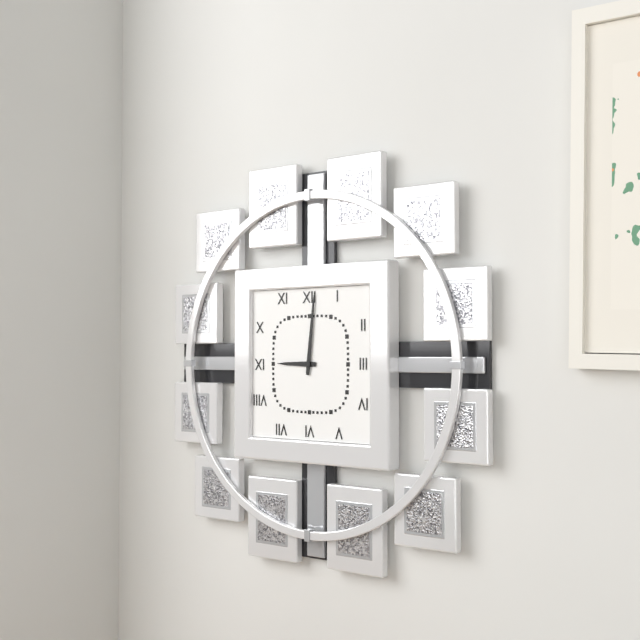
9:01
